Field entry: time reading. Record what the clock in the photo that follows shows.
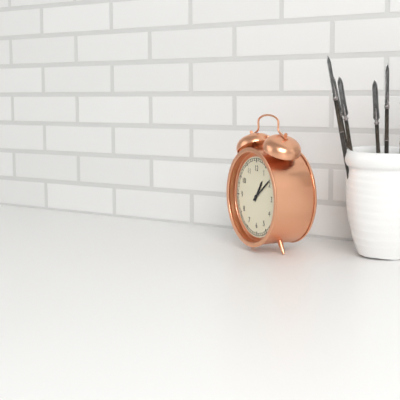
1:09
